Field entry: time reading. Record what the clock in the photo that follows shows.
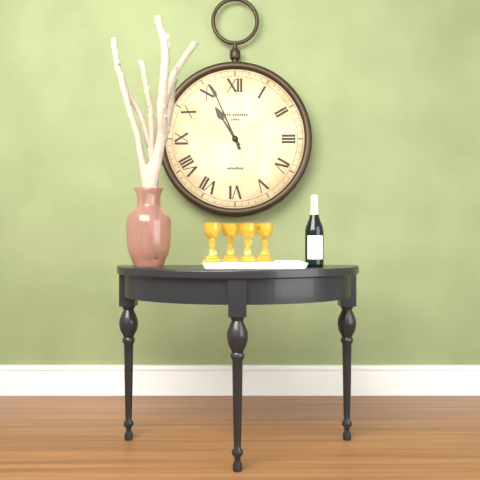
10:56
